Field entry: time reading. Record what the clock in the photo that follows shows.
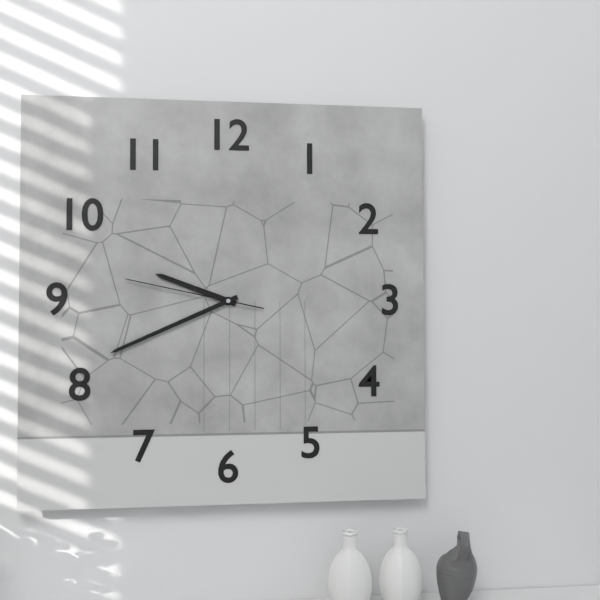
9:41:47
